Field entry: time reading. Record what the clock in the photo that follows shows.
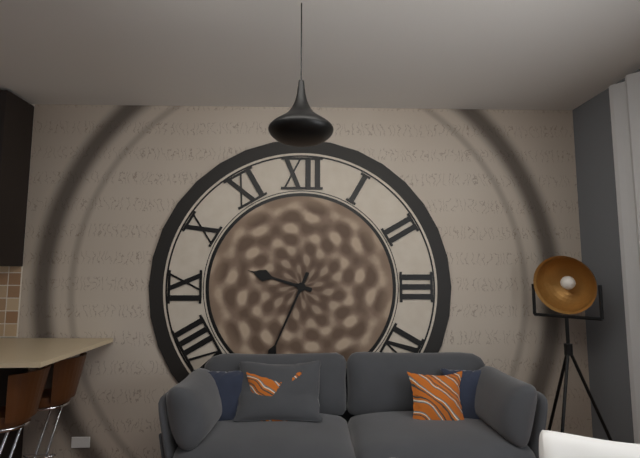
9:34
